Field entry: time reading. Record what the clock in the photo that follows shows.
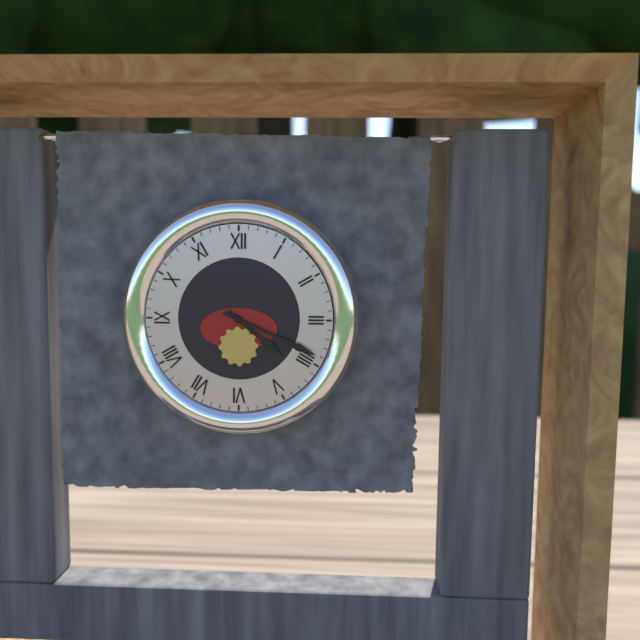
4:19
